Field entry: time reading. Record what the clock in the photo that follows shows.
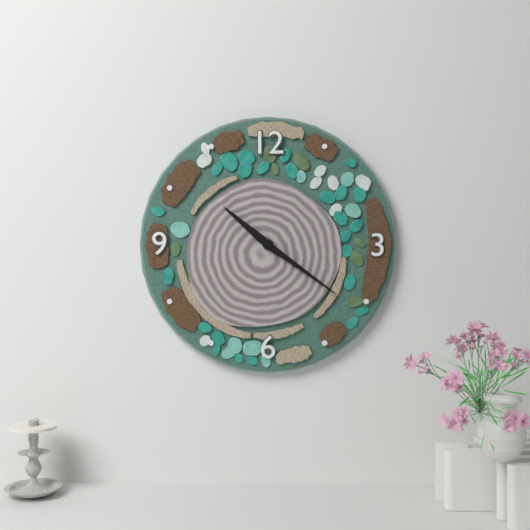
10:21
